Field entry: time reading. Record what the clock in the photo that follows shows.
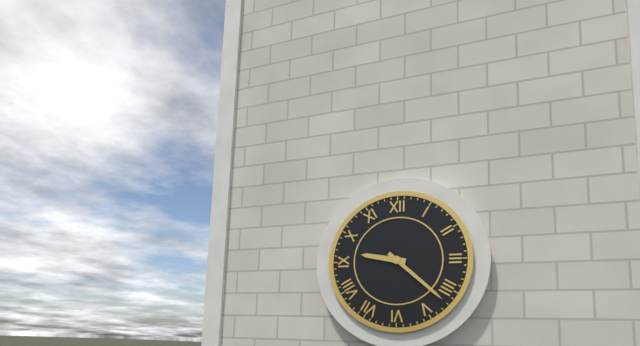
9:22
